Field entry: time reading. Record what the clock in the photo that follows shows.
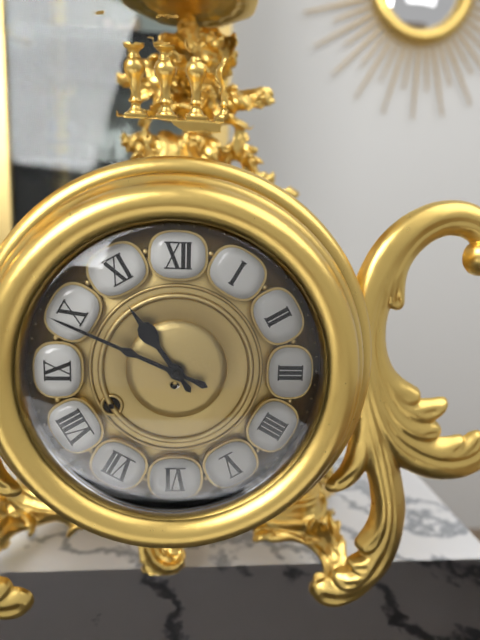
10:49
